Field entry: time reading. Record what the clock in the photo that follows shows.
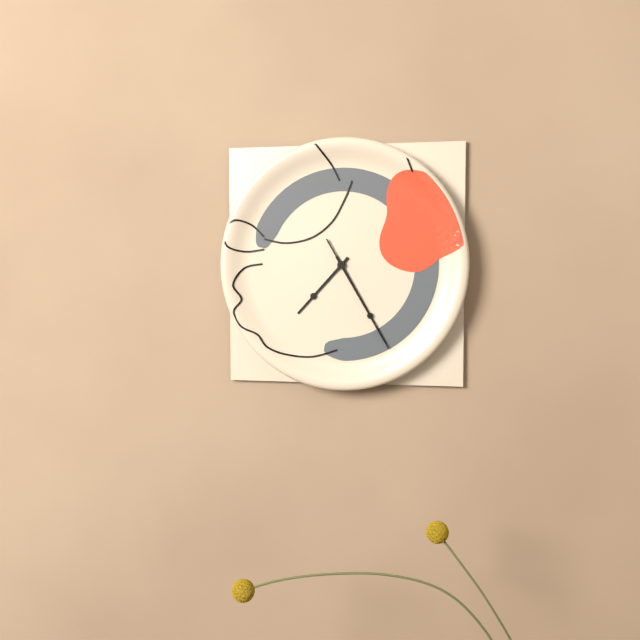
7:25:25
